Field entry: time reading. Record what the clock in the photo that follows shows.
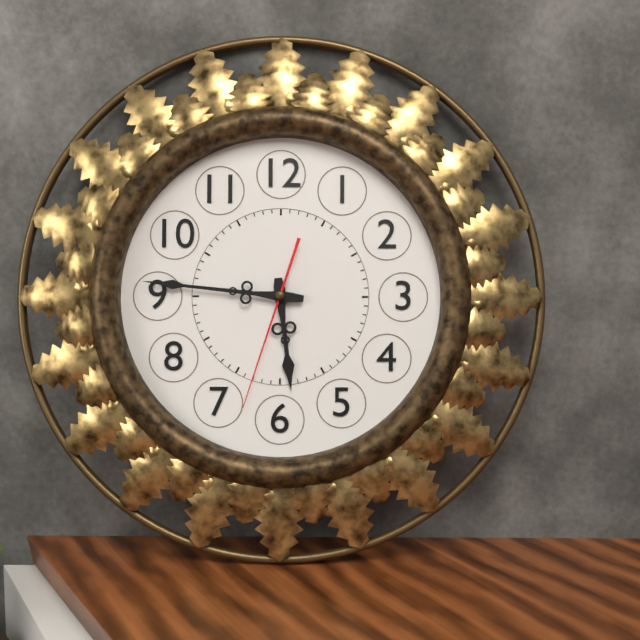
5:46:33
